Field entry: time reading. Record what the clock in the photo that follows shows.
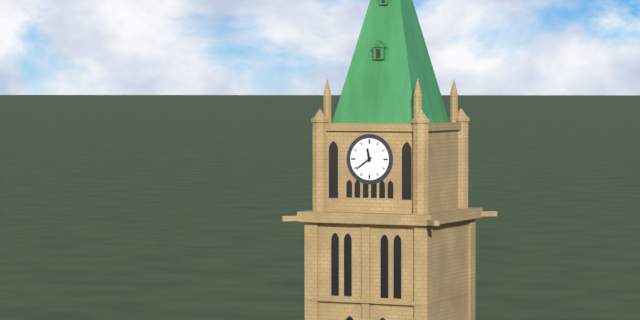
11:39
